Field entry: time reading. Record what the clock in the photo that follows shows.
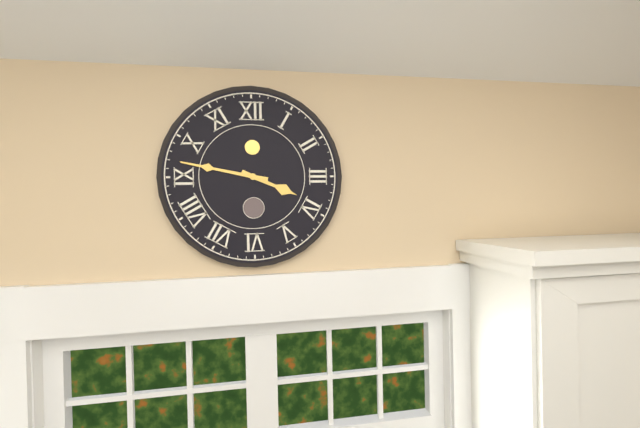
3:47
